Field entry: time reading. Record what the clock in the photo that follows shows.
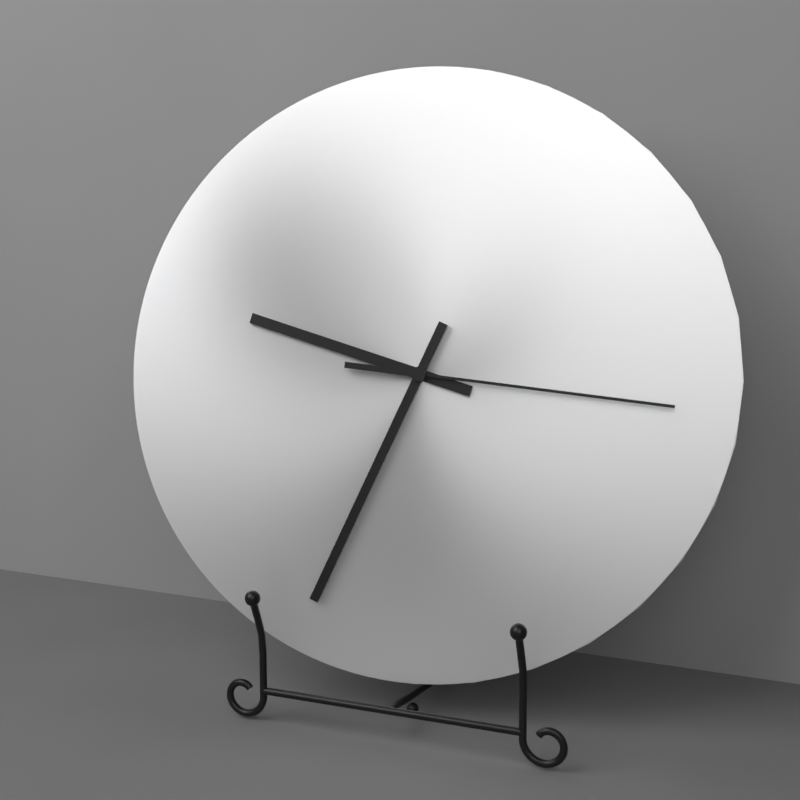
9:34:16
